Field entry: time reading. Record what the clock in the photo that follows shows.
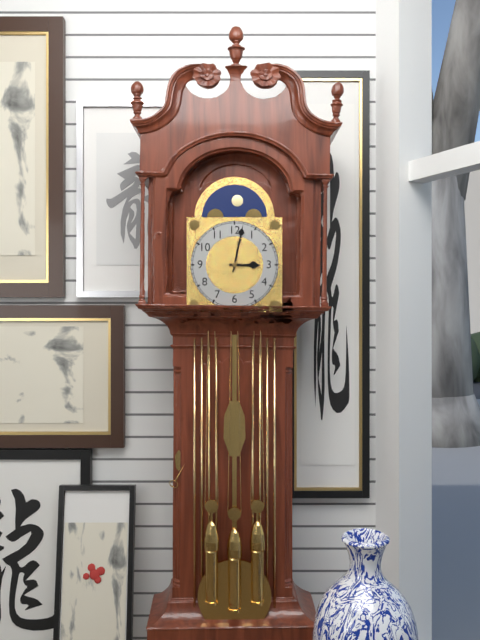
3:02
